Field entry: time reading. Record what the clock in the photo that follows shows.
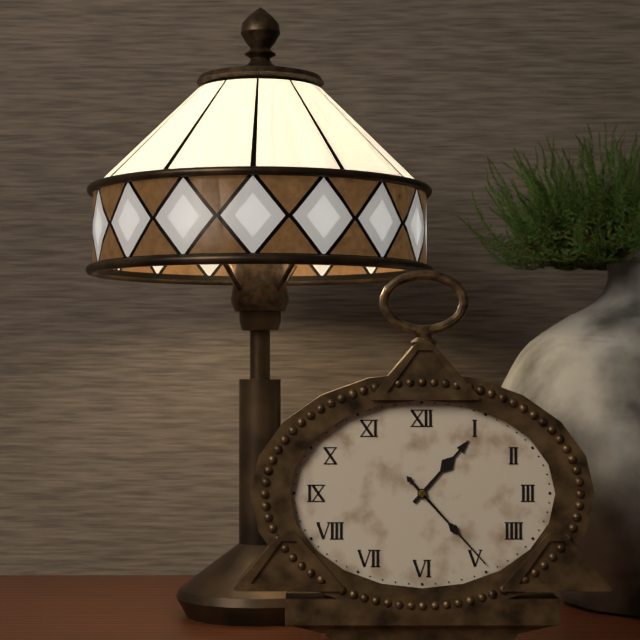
1:23
